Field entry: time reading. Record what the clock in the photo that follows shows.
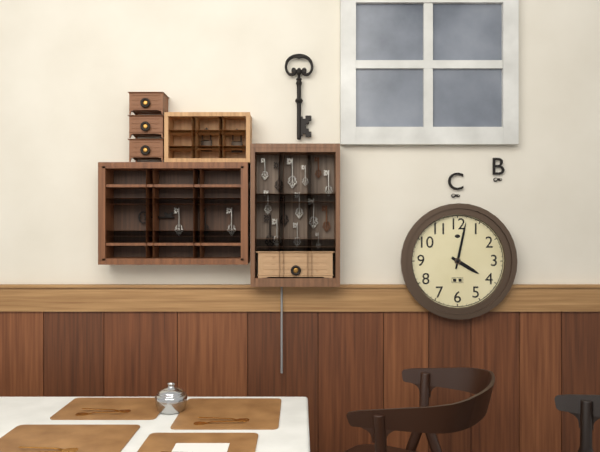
4:02
